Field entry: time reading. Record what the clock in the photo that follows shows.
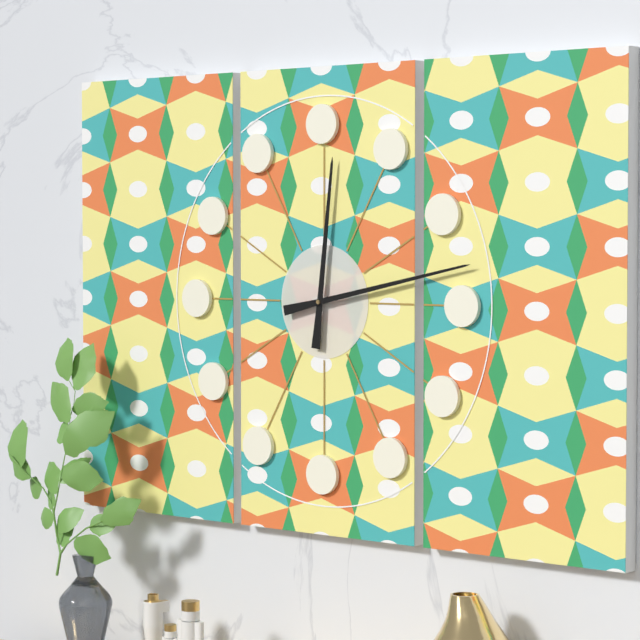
12:13
